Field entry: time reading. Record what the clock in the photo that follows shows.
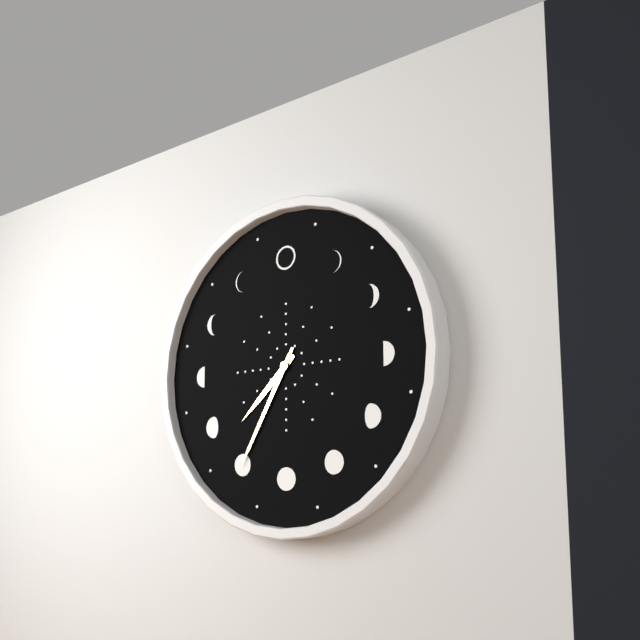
7:35
